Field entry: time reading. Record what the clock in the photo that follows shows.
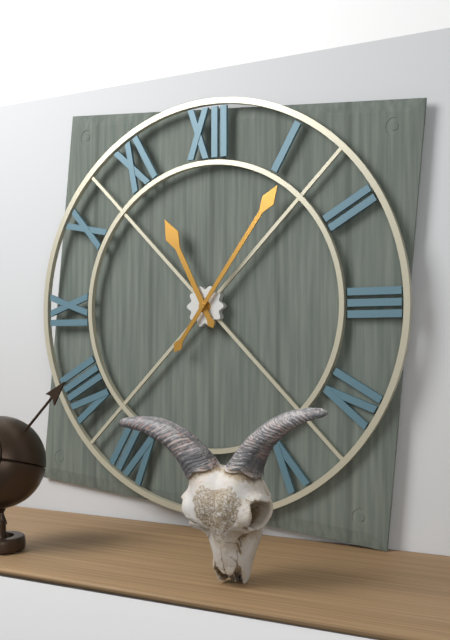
11:06
